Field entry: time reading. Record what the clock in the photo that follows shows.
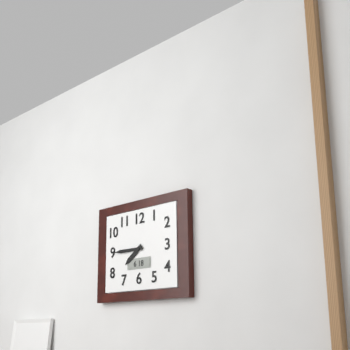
7:45
